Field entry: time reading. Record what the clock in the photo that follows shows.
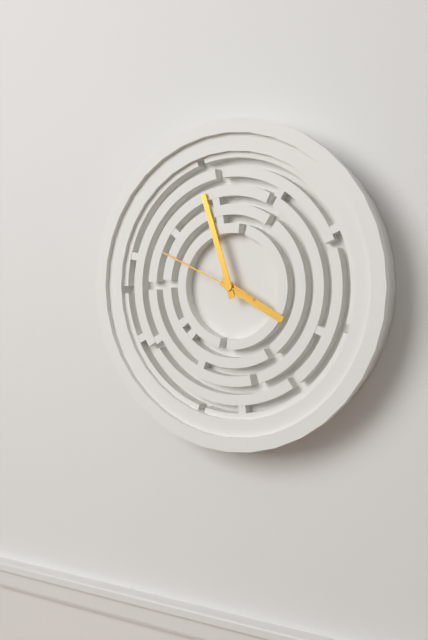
3:57:49
